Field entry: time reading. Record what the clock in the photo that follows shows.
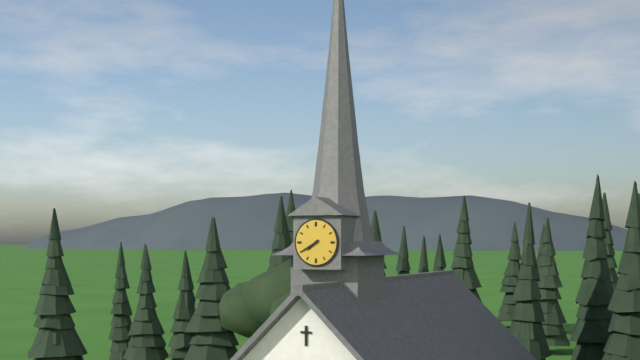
7:40
